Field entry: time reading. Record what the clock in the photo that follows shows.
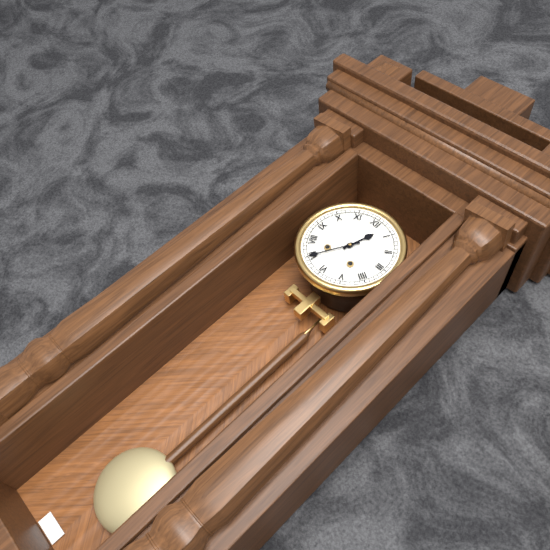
12:35
